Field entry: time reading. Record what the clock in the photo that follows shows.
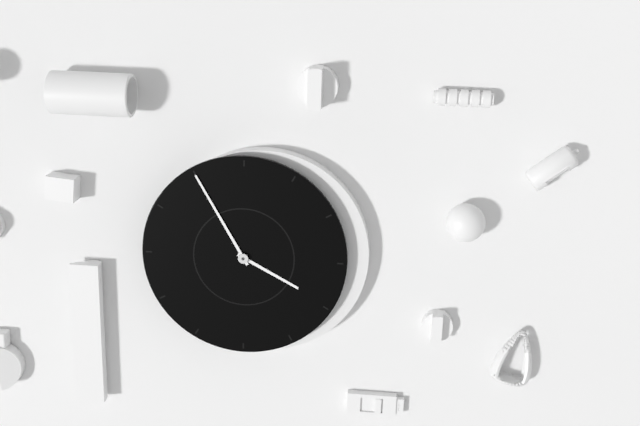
3:55
